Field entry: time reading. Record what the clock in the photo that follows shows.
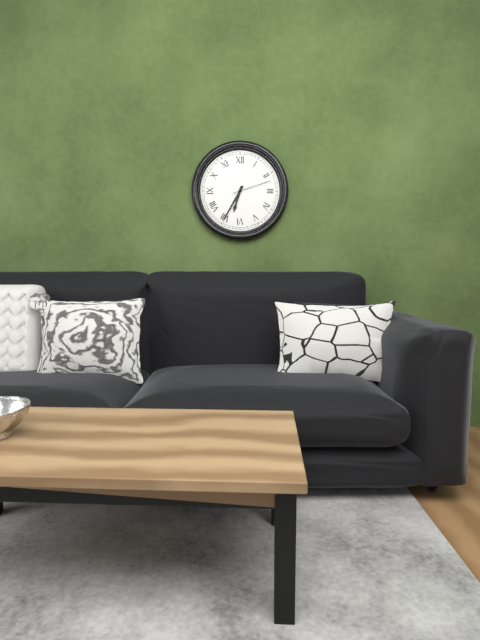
6:35
